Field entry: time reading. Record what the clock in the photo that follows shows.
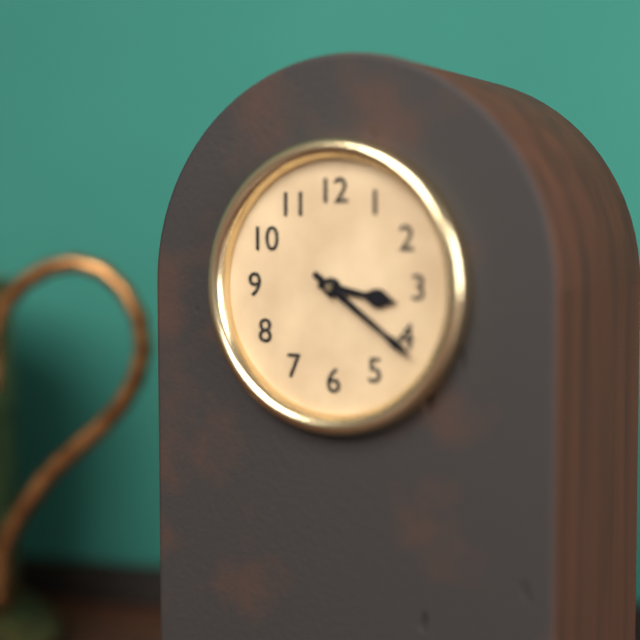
3:21
